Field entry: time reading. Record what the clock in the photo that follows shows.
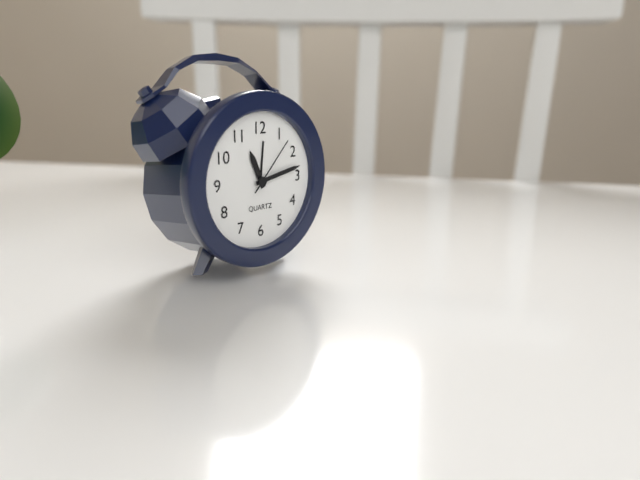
11:13:07
